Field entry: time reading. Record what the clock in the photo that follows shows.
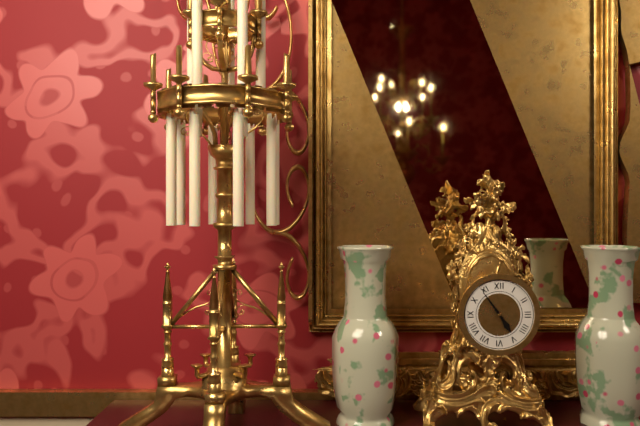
4:54
